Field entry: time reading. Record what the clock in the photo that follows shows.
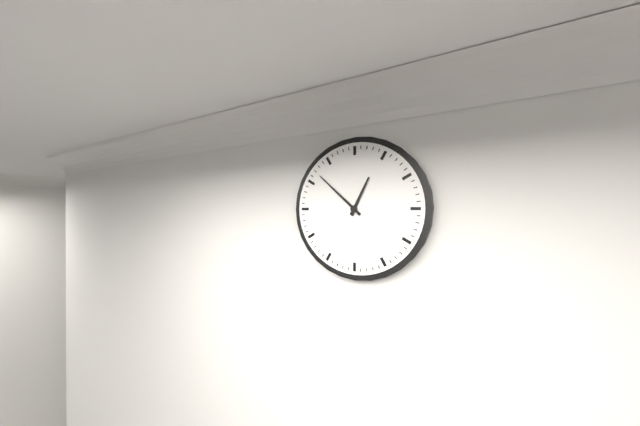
12:52
